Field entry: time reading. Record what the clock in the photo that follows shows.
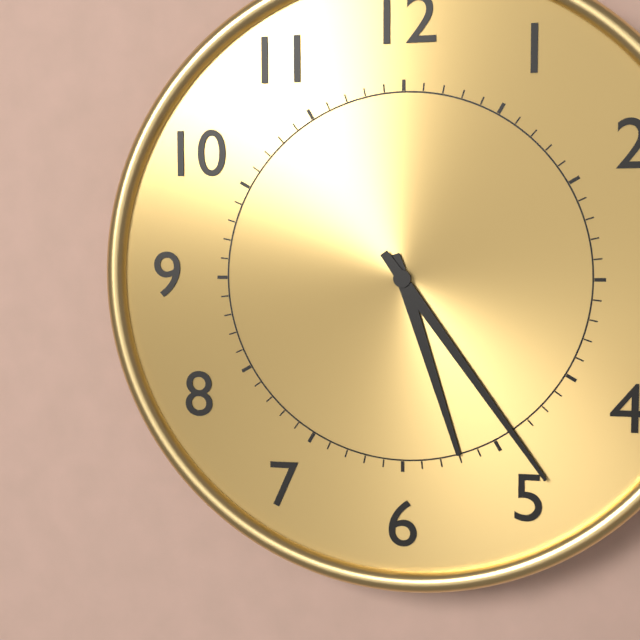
5:24
